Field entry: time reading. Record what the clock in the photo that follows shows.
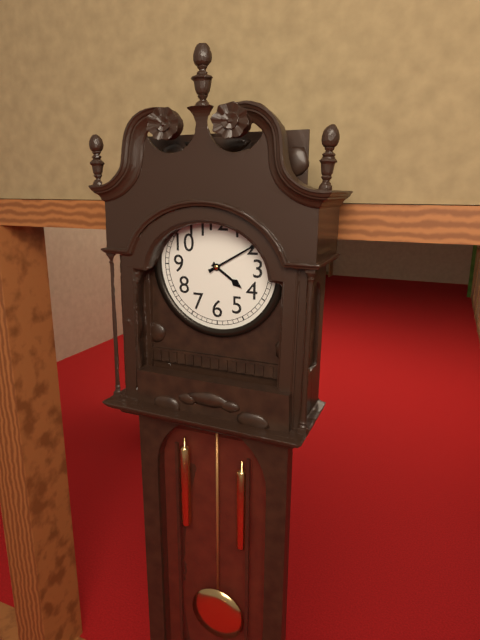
4:10
